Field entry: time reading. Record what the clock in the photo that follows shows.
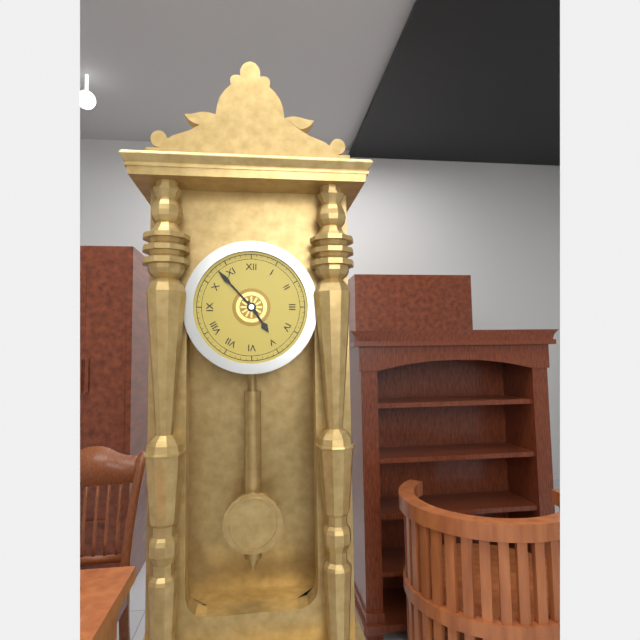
4:53
